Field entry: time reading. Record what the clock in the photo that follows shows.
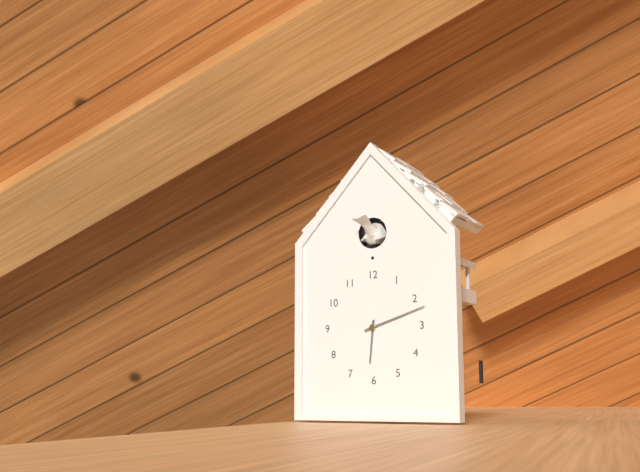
6:12
